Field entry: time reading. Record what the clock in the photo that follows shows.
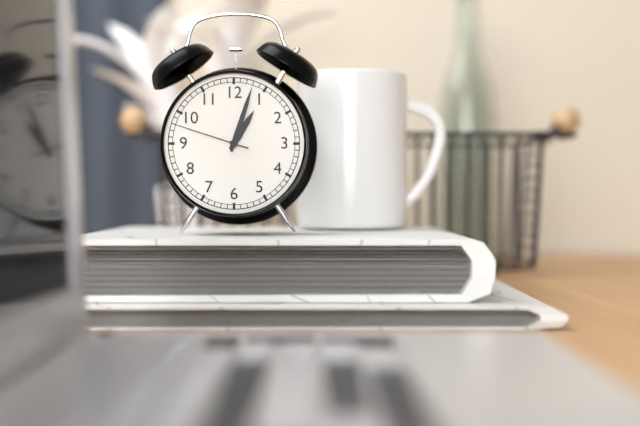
1:03:48
